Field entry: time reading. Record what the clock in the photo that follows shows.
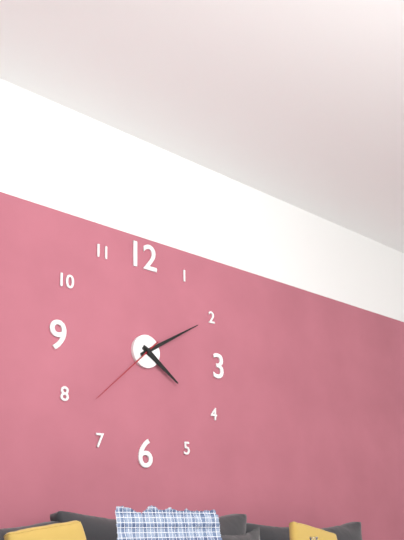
4:10:38
